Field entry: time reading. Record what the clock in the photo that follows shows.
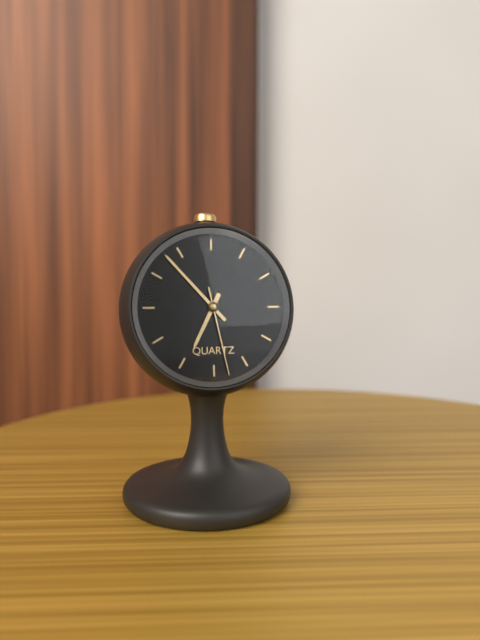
6:53:28
